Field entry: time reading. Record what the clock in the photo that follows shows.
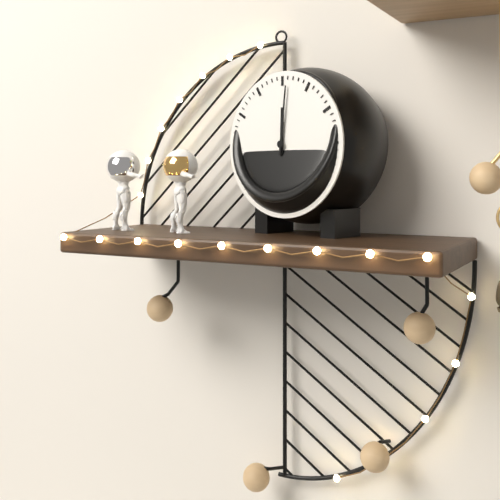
12:01
